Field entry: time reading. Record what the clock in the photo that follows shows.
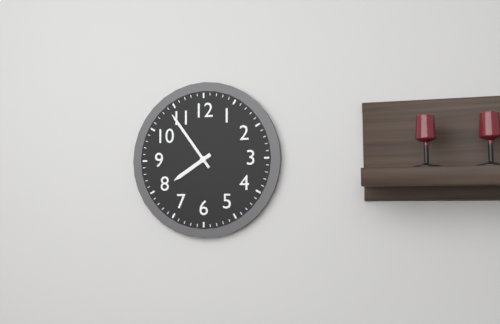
7:54
